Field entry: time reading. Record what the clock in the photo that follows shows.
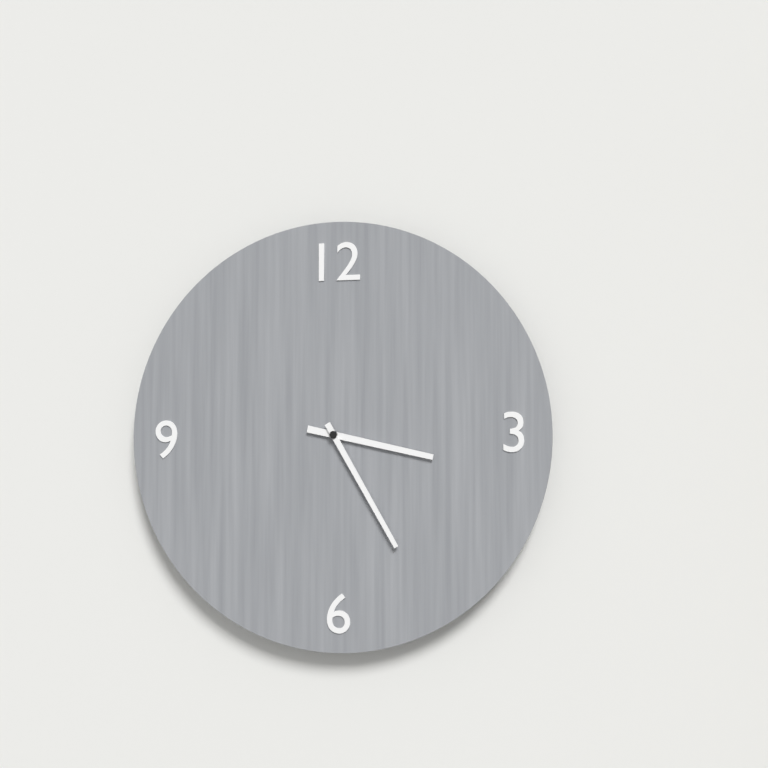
3:25
